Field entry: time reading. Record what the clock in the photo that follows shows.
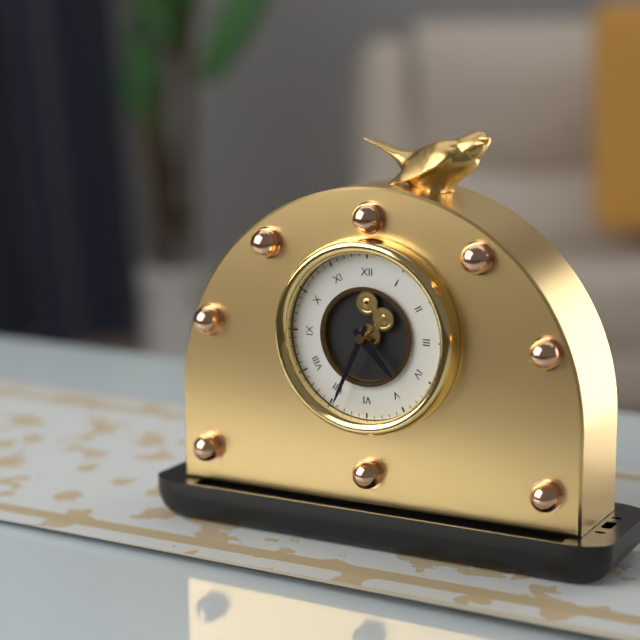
4:34
